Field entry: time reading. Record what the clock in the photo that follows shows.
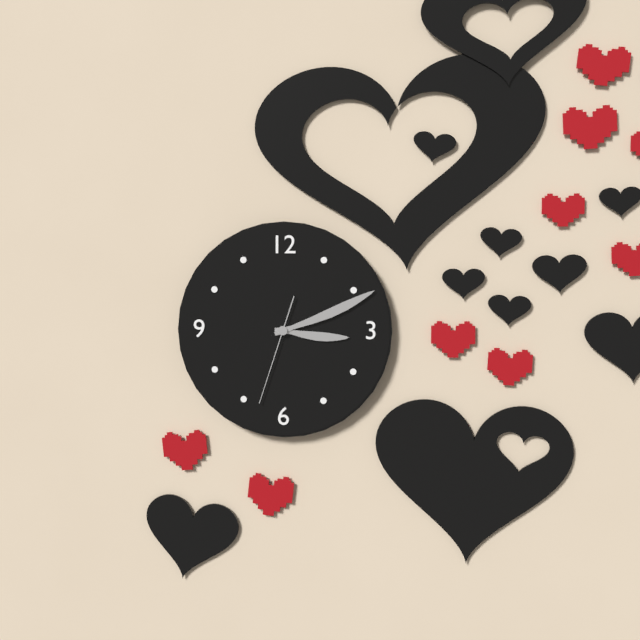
3:11:33
